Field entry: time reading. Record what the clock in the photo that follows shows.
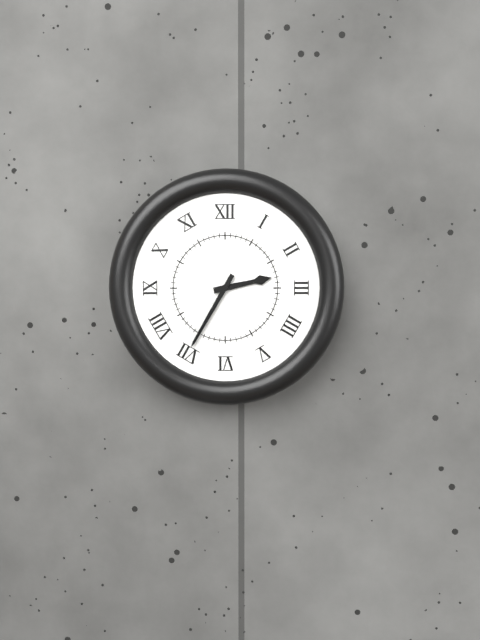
2:35
